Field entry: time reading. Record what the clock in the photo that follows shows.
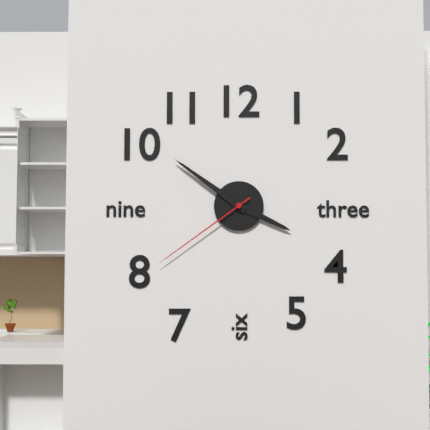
3:51:39
